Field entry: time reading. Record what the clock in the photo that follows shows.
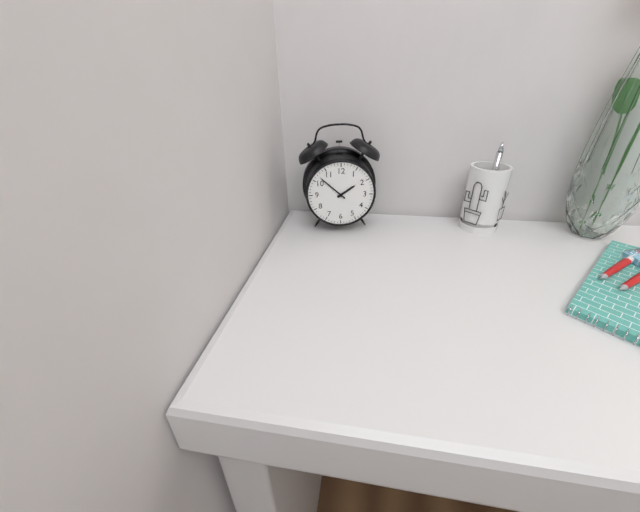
1:52
